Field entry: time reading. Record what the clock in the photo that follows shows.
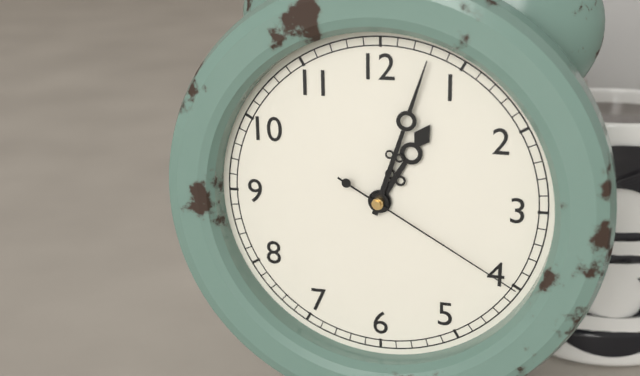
1:03:20
